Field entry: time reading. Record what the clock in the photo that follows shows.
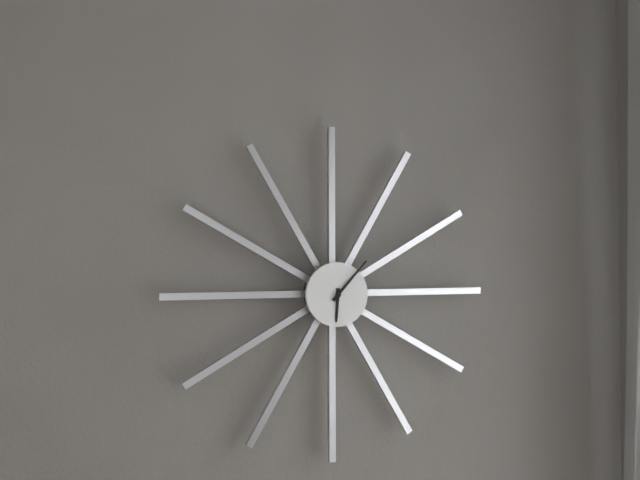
6:07
